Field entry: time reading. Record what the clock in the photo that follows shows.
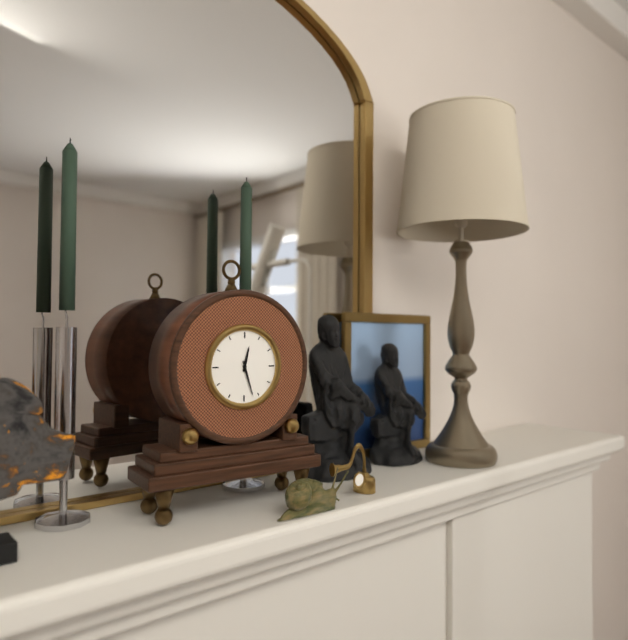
12:27
